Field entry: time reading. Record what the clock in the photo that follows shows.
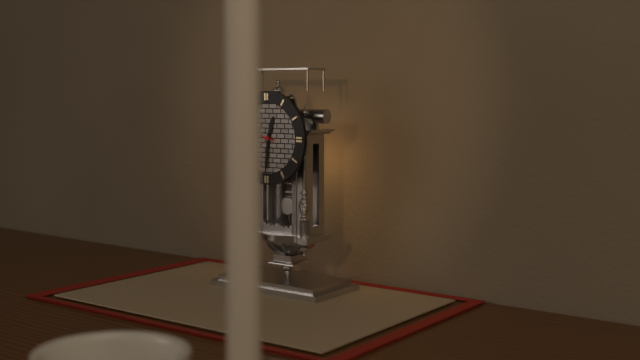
12:31
